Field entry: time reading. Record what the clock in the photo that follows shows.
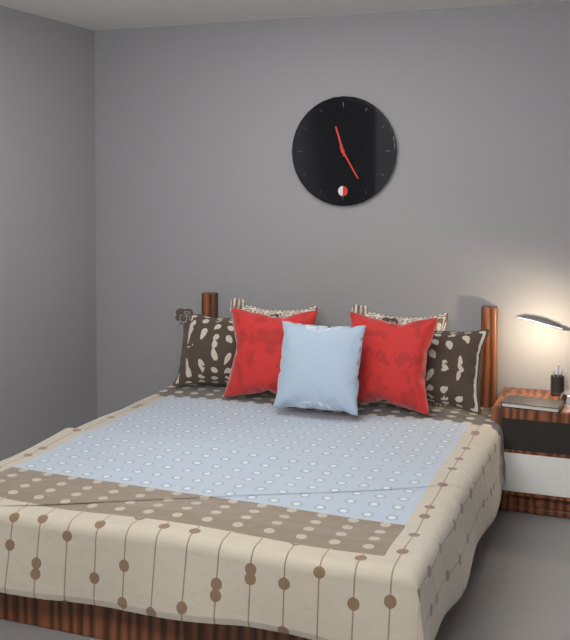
11:25
